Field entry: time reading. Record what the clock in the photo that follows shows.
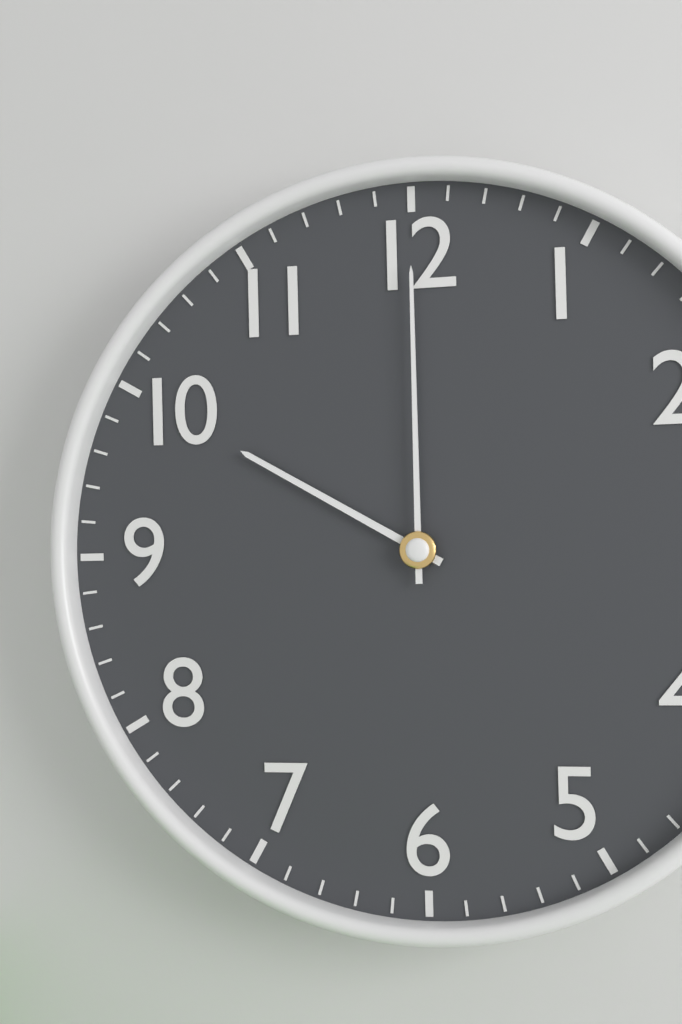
10:00
